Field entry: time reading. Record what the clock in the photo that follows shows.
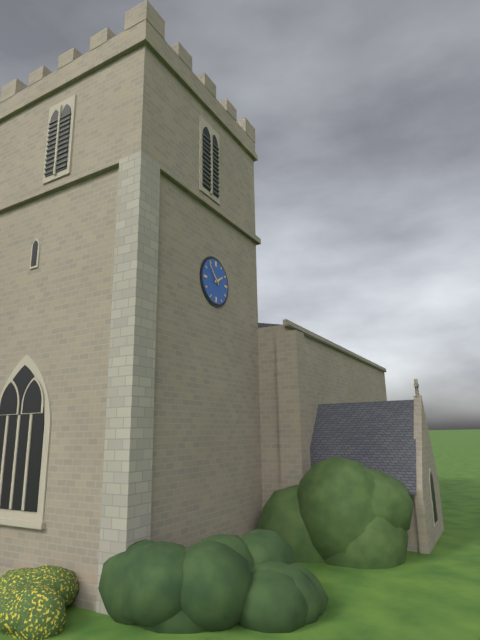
1:53
